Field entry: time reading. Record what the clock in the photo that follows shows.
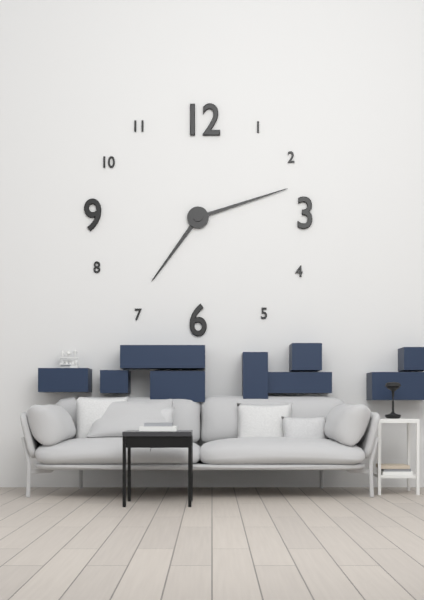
7:12
